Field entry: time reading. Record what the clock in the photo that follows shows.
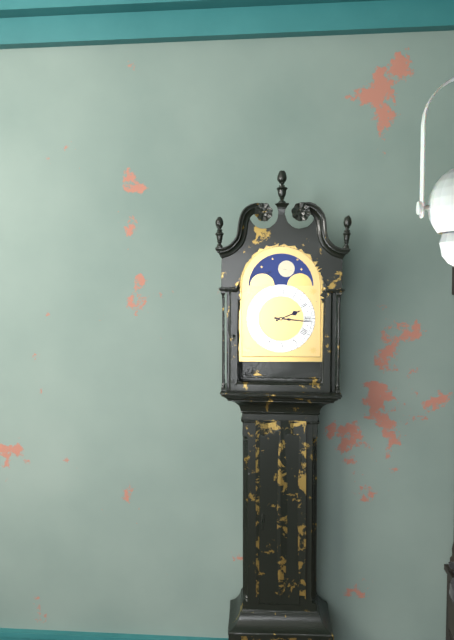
2:16
